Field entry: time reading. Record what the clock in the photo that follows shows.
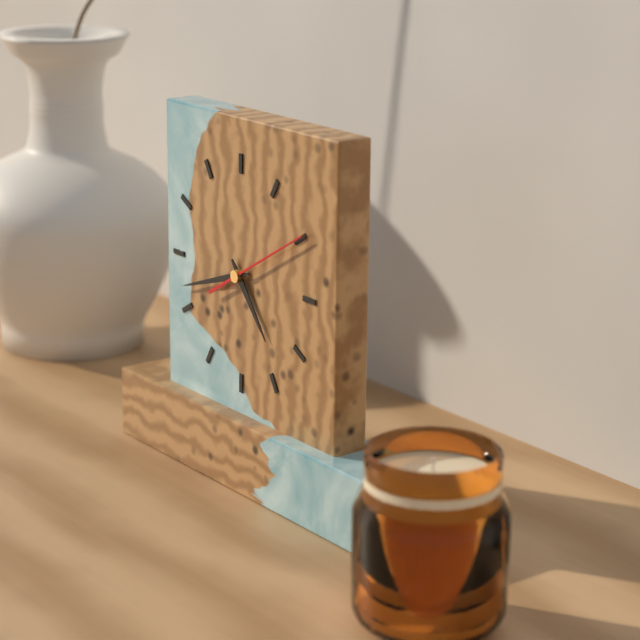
4:42:10
